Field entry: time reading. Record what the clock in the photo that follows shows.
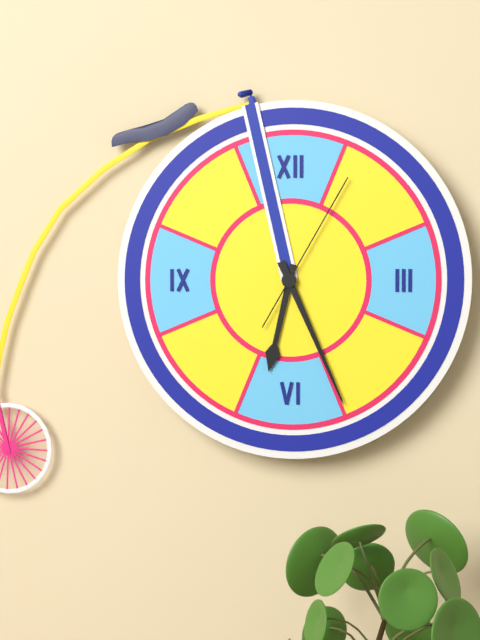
6:26:05
